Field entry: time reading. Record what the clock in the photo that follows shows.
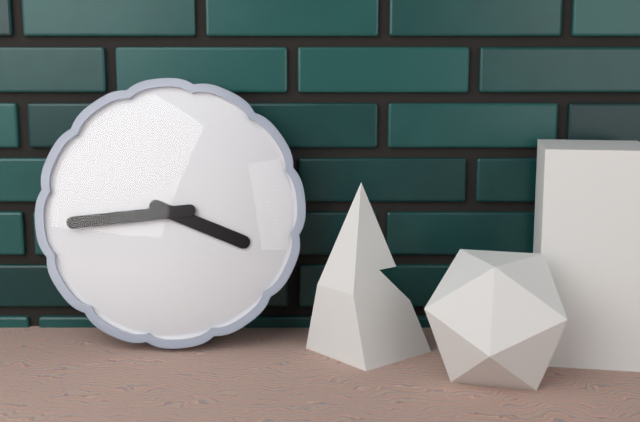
3:44
